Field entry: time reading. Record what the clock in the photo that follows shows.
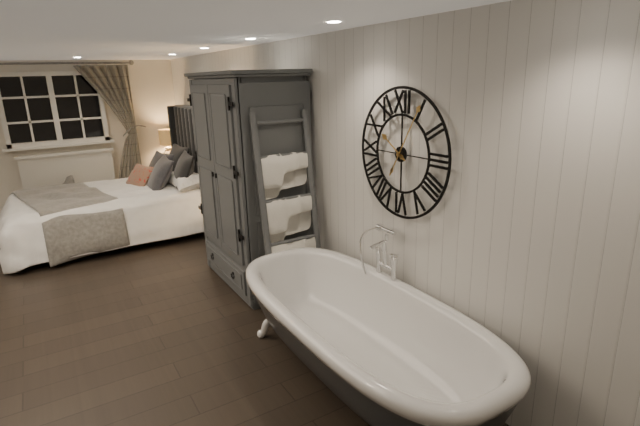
10:05
